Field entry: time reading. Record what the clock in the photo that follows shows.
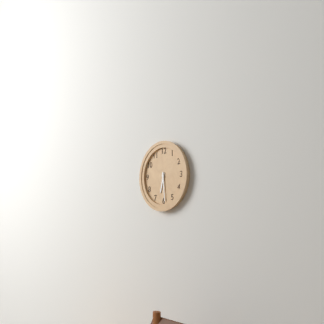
6:29
